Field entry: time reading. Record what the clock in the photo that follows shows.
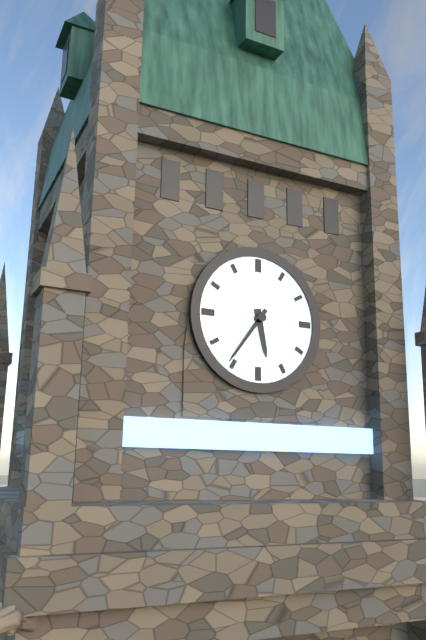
5:36
